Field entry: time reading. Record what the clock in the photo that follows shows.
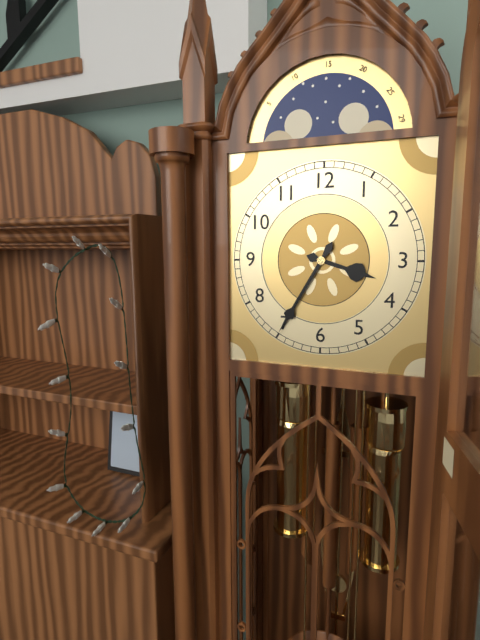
3:35
